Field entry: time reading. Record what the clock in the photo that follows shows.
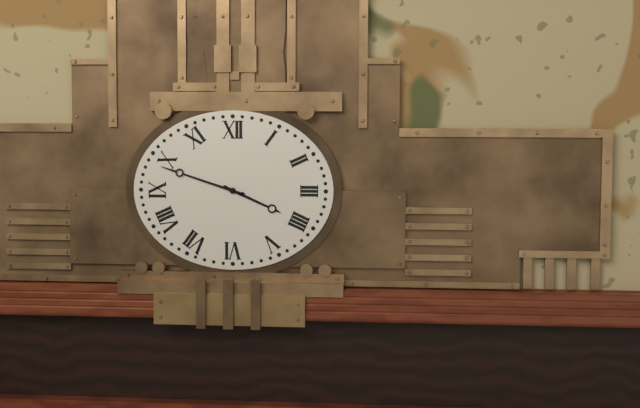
3:48
